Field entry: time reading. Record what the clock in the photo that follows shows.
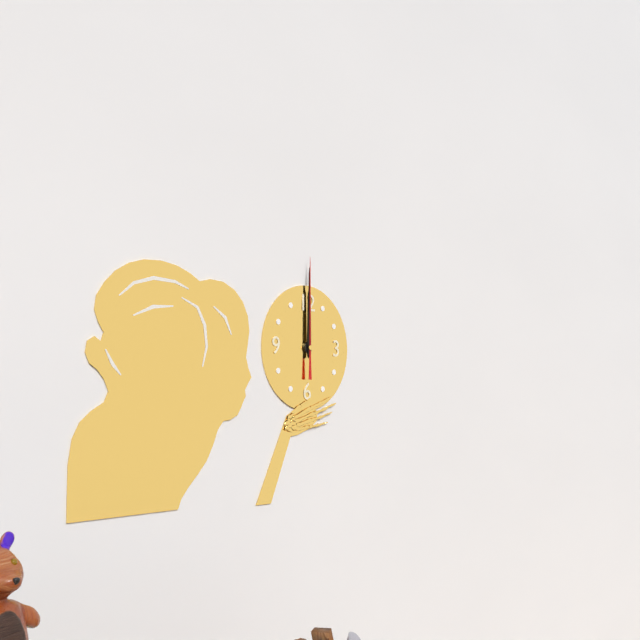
12:00:00
